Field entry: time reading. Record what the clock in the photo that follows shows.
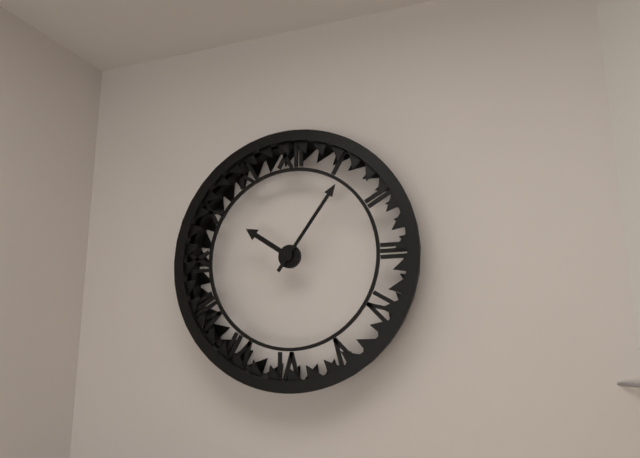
10:06
